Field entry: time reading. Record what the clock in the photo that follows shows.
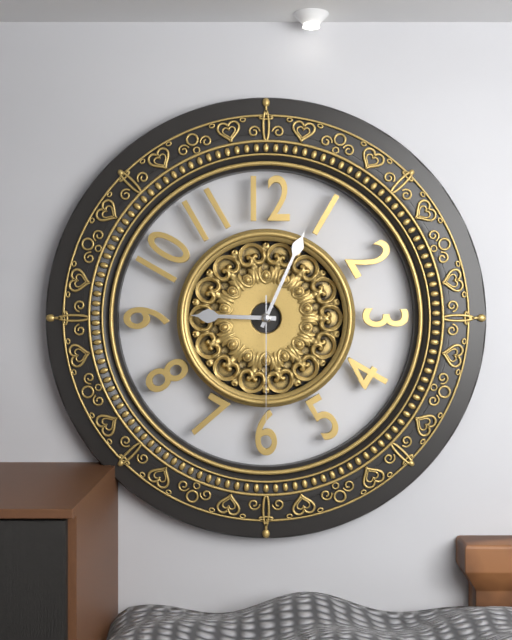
9:04:30
